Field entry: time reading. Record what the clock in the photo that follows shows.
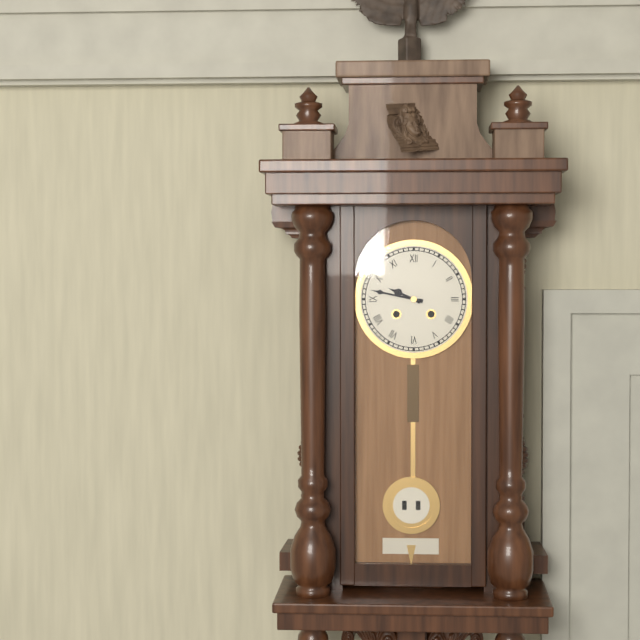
9:47
